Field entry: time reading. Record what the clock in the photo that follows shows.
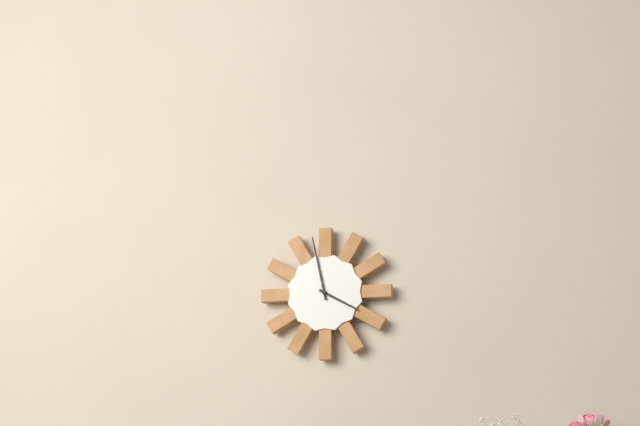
3:58
